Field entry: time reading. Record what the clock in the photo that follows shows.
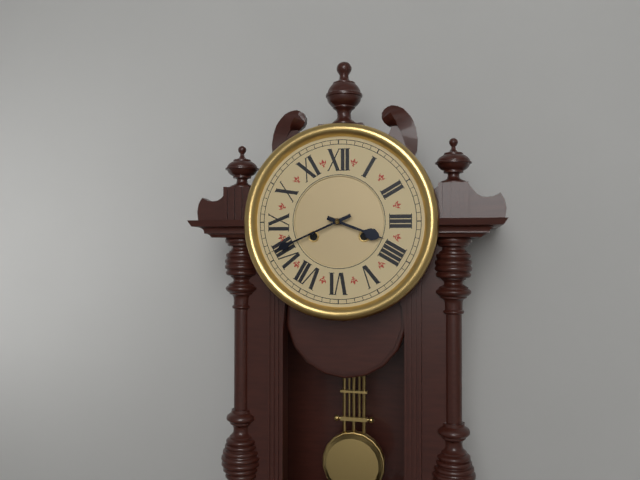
3:41
